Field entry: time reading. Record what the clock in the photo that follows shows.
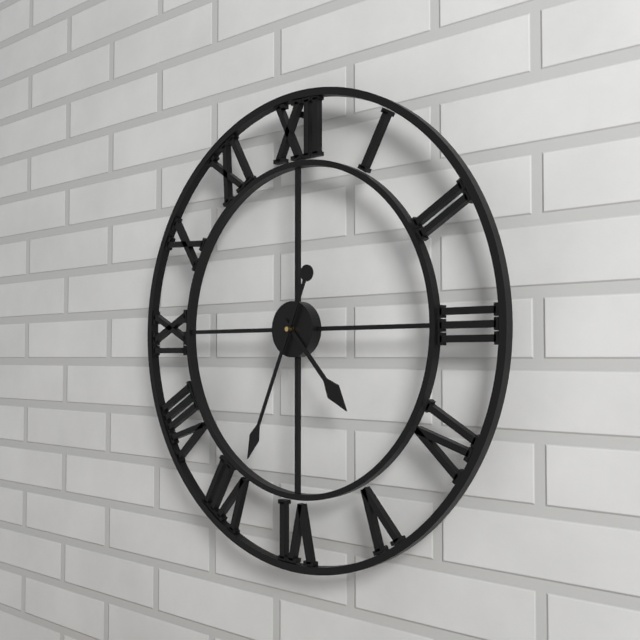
4:34
